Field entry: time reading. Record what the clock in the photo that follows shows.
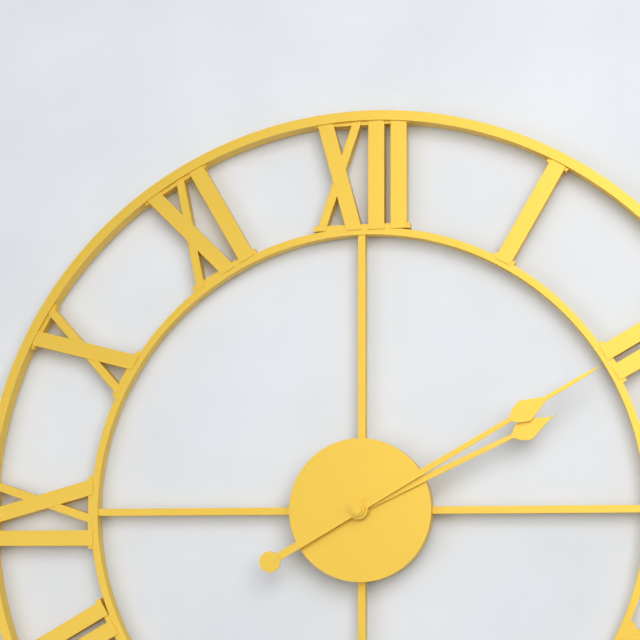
2:10
